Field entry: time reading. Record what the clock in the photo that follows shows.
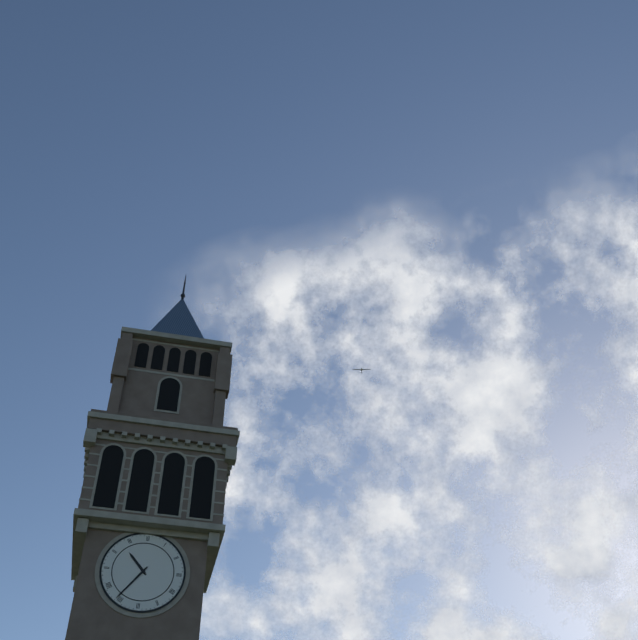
10:36
